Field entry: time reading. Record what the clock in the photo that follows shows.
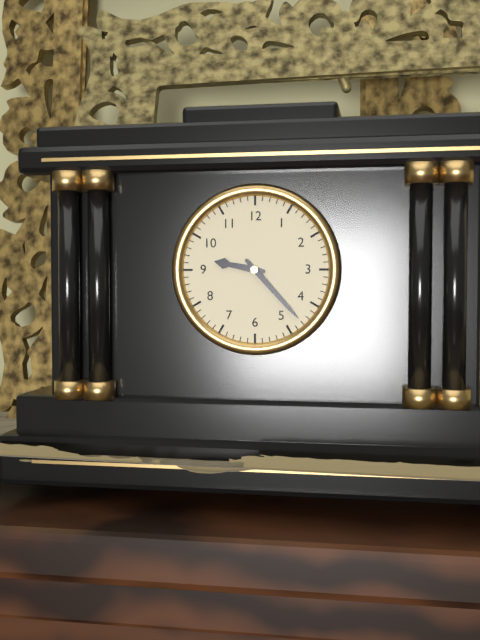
9:23
